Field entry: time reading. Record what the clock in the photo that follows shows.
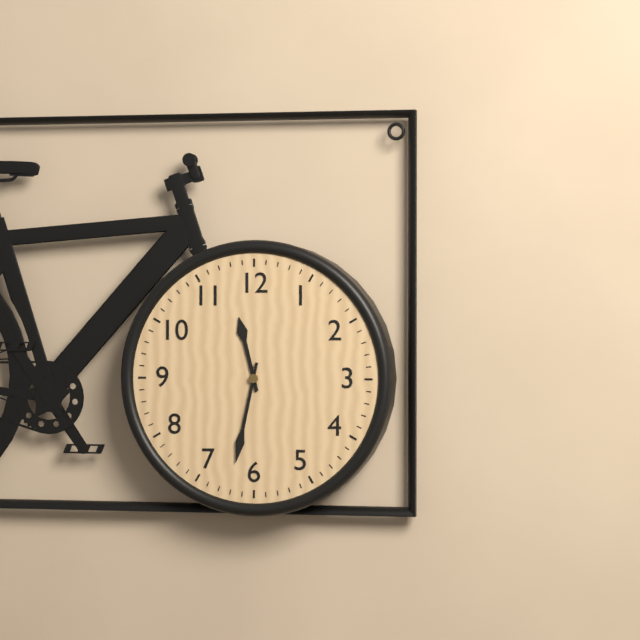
11:32
